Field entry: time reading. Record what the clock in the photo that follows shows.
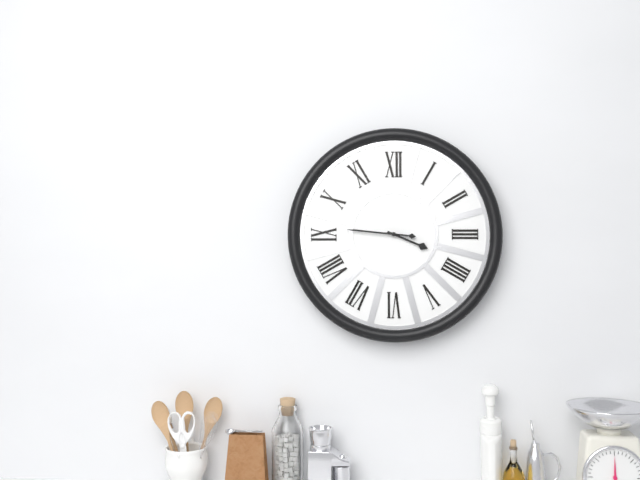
3:46
